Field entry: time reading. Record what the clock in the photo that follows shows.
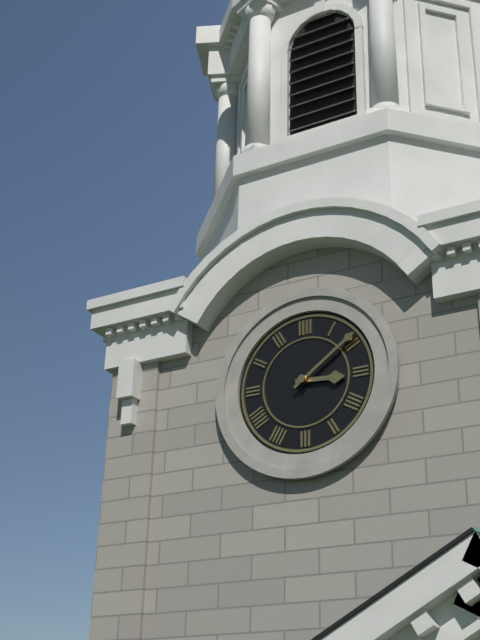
3:09
